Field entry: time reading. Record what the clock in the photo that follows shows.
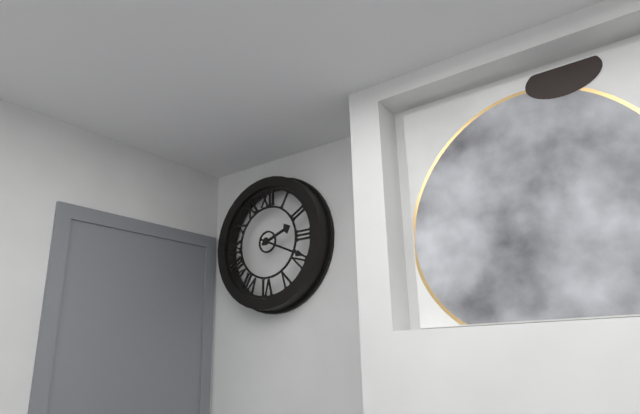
2:19
